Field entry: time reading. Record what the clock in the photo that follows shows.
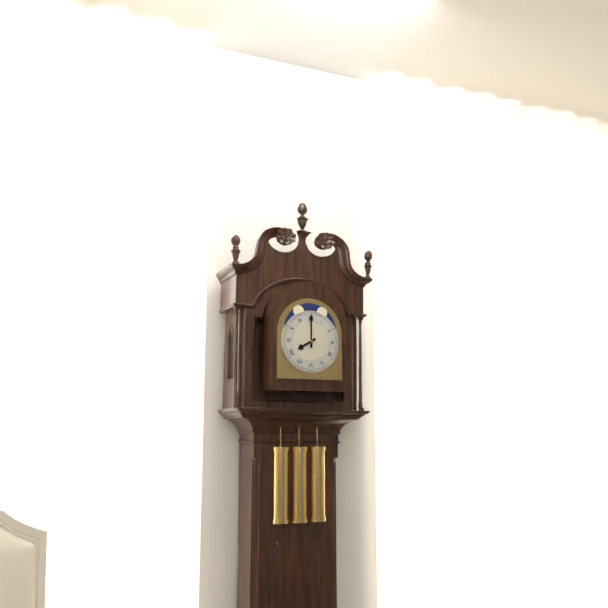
8:00
